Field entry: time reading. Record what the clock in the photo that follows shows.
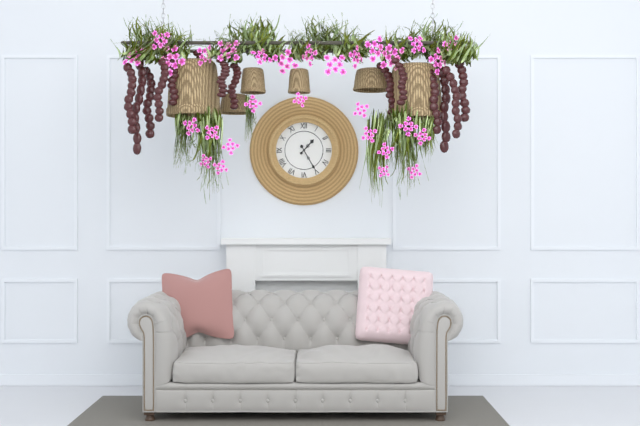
1:25
